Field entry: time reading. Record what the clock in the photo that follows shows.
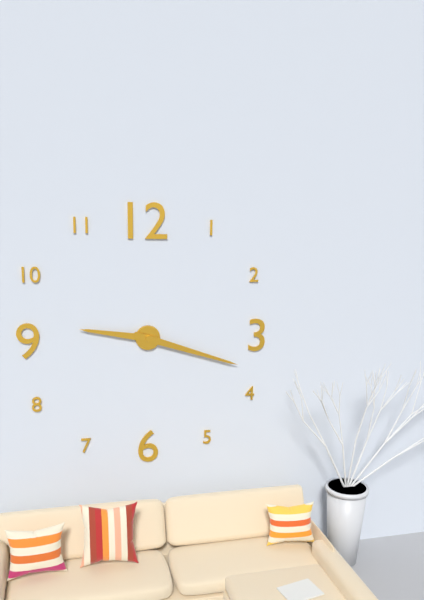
9:18
